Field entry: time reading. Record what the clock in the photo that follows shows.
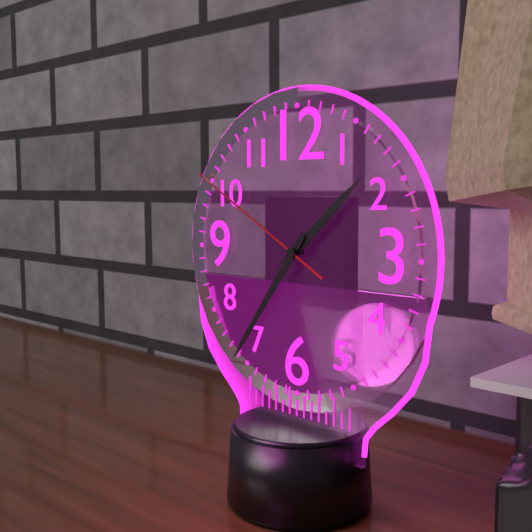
1:36:50
